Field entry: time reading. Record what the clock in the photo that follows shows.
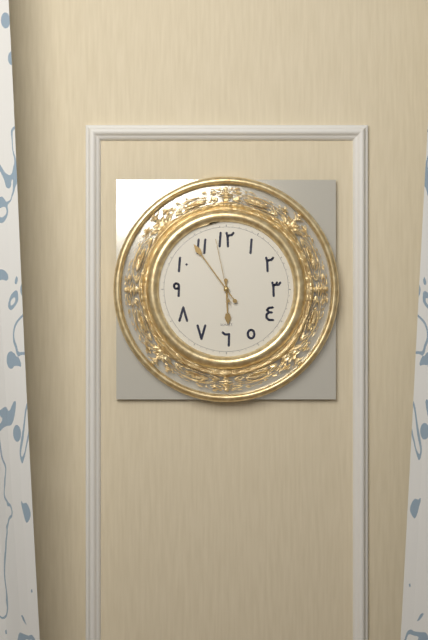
5:54:58
